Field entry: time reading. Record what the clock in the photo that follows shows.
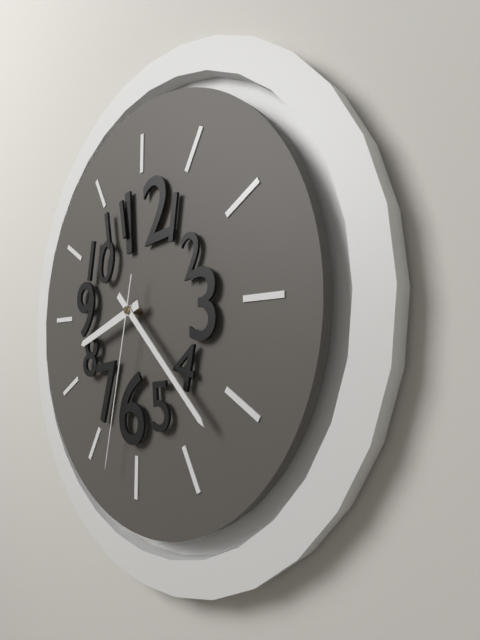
8:22:32
